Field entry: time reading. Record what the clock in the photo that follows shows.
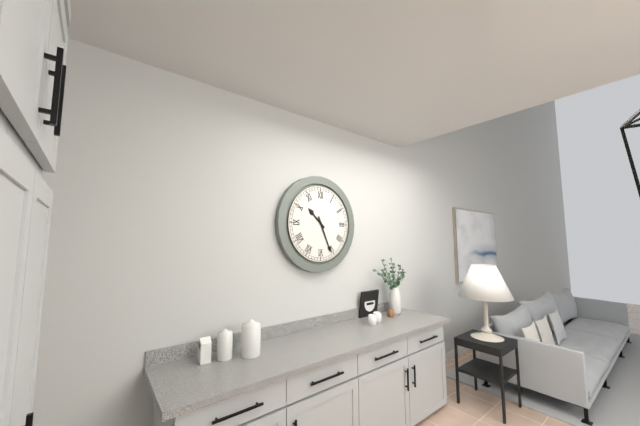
10:26
